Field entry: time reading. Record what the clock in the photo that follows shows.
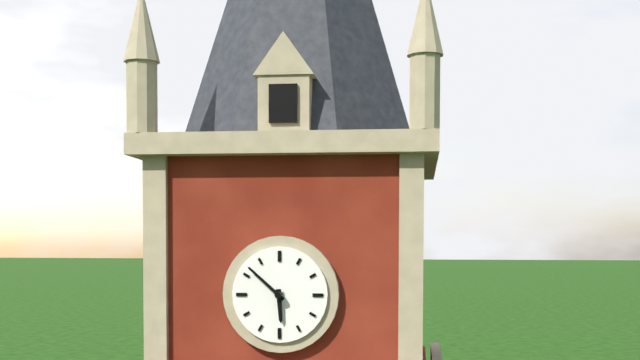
5:52
